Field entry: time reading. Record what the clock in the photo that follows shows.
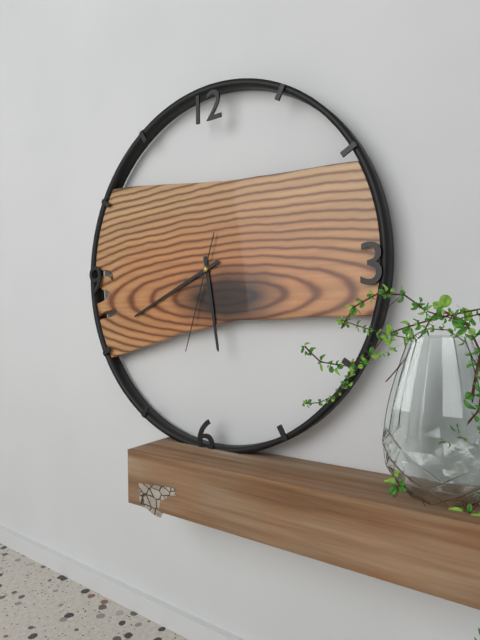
5:41:33
